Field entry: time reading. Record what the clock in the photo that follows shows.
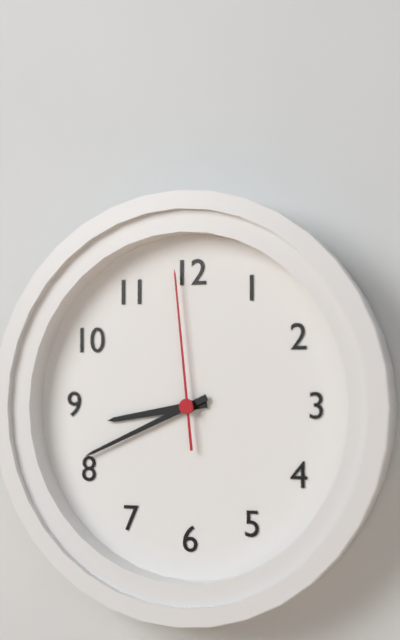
8:41:59
